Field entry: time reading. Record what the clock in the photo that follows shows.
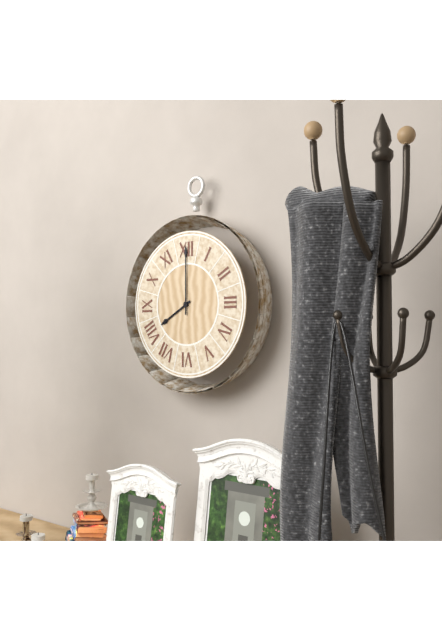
8:00
